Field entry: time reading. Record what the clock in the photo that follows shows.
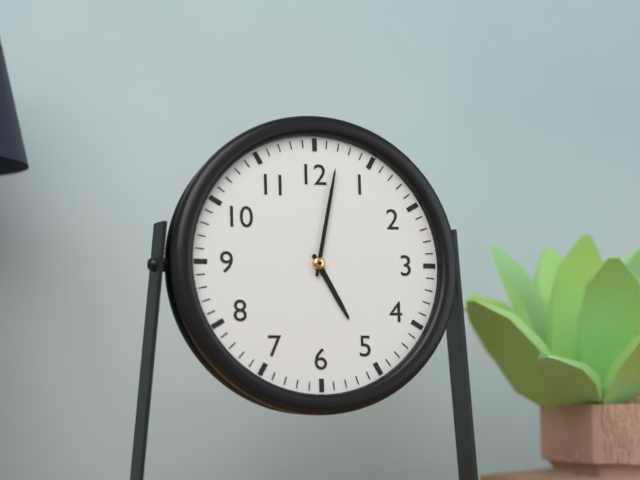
5:02
